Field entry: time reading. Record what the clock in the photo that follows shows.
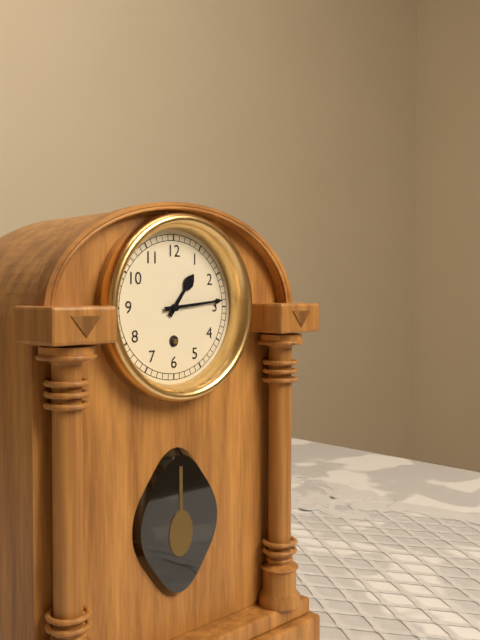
1:14
